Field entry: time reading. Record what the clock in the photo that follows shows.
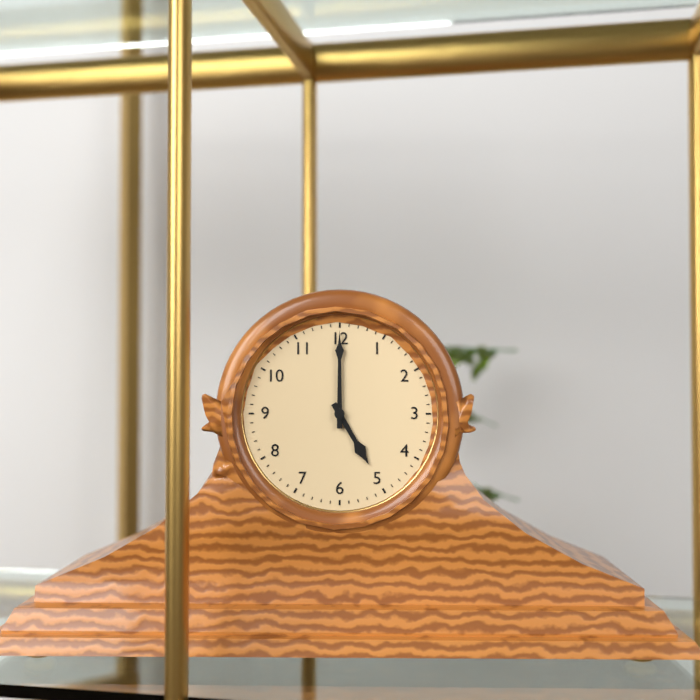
5:00
